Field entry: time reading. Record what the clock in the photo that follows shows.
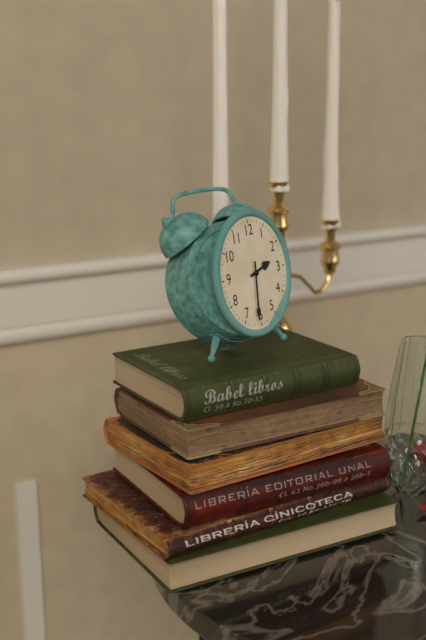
2:31
